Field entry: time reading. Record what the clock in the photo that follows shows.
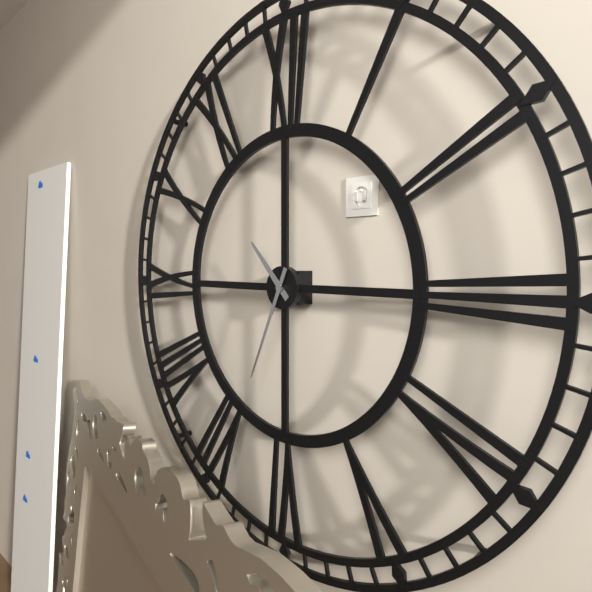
10:34
